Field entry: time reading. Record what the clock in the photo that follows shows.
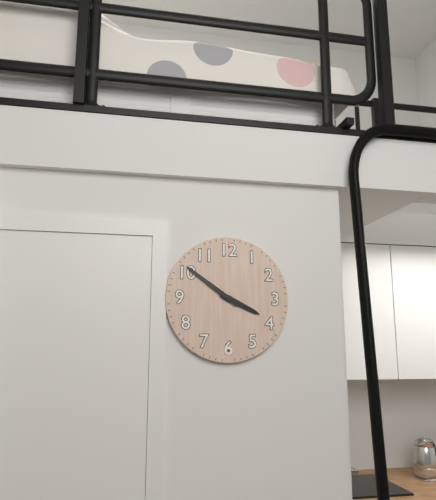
3:51
